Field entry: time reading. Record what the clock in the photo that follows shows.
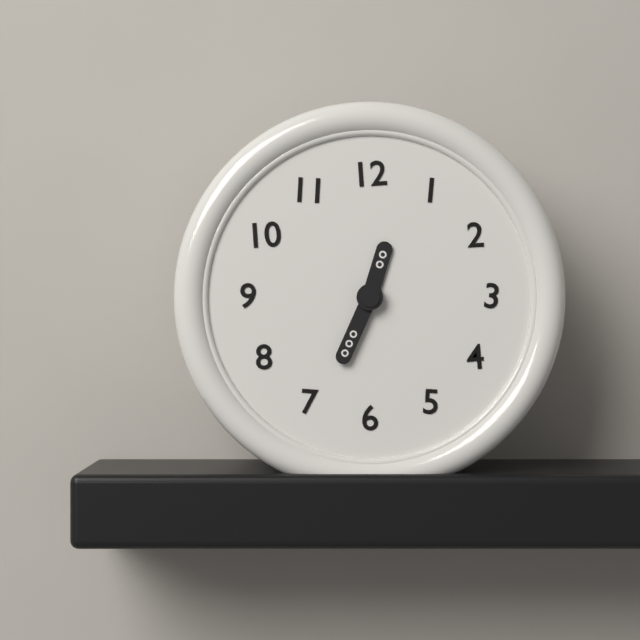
12:34
